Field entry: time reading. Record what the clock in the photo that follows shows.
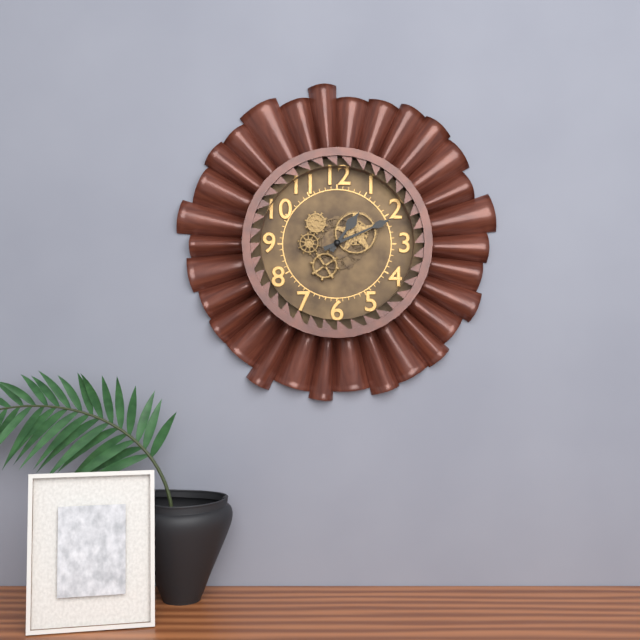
1:11
